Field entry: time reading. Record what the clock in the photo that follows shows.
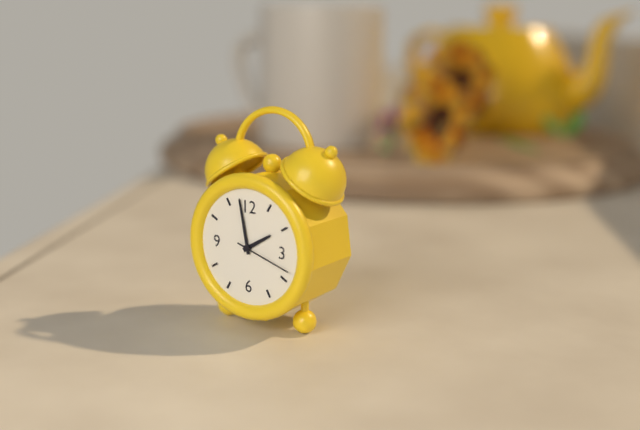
1:58:18
